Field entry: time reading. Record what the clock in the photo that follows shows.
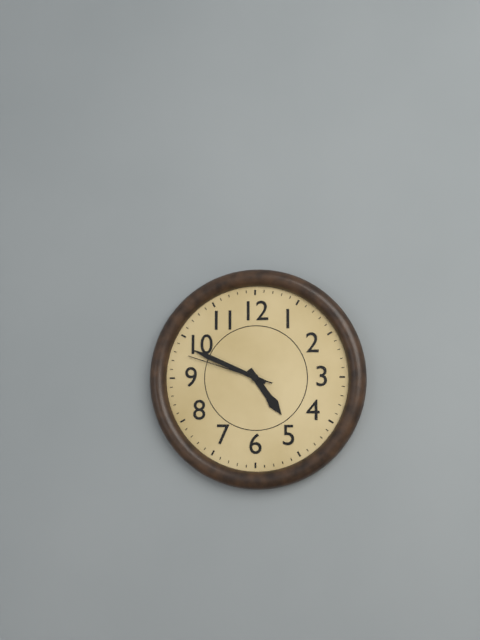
4:49:48
